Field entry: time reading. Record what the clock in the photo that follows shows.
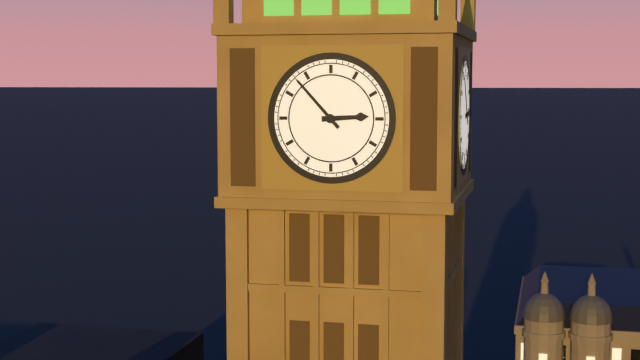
2:53
